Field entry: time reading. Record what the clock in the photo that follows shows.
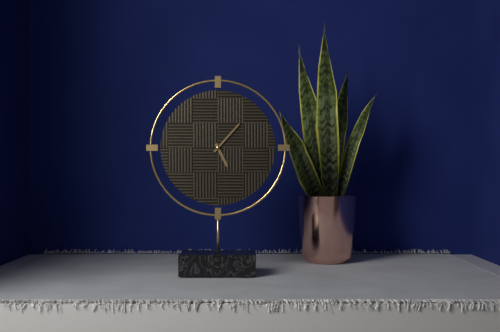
5:07
